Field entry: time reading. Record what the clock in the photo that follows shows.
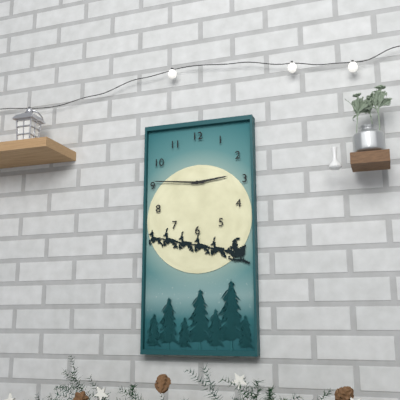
2:46
